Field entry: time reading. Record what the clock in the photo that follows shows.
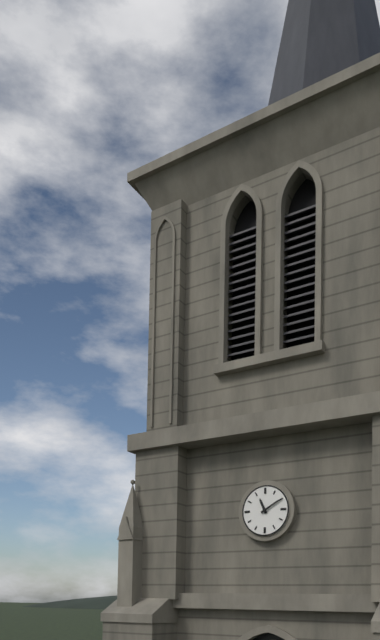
11:10
